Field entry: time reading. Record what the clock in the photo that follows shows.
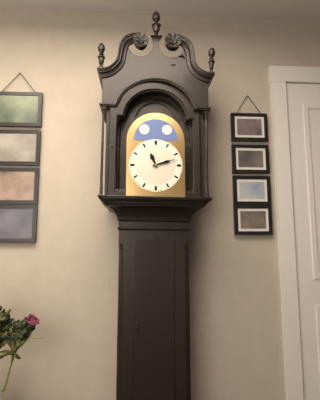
11:12
